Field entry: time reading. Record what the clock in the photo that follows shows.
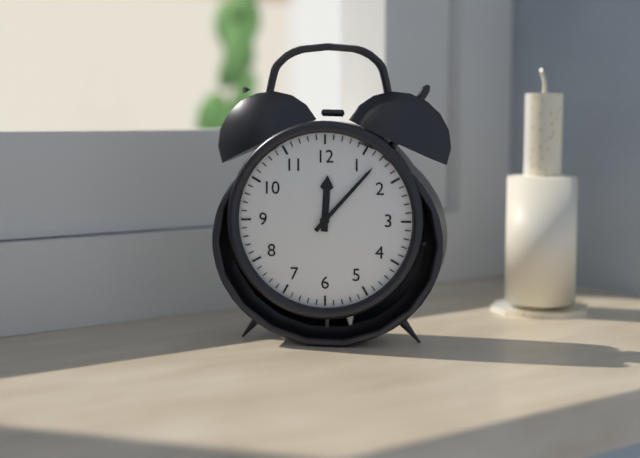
12:07
